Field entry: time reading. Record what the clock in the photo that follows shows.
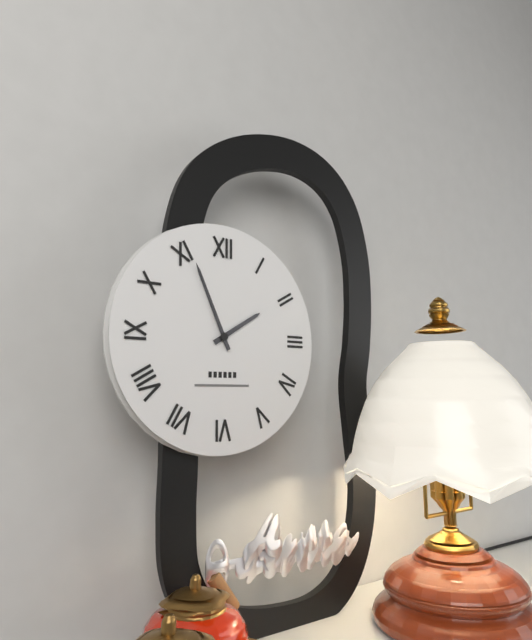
1:56
